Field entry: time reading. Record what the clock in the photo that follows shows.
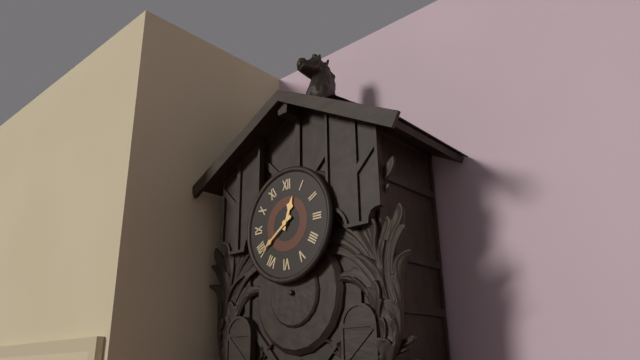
12:39
